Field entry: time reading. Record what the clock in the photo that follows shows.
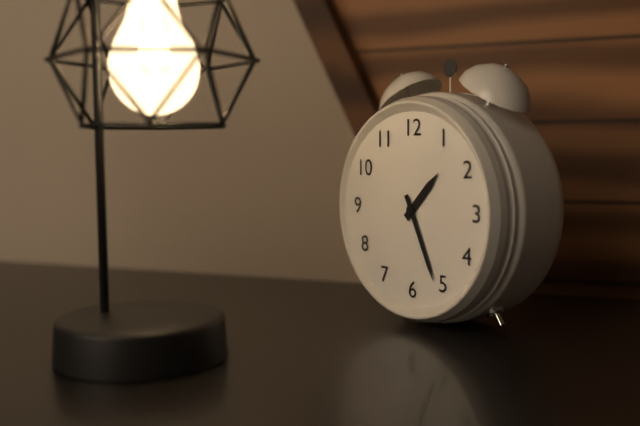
1:26
